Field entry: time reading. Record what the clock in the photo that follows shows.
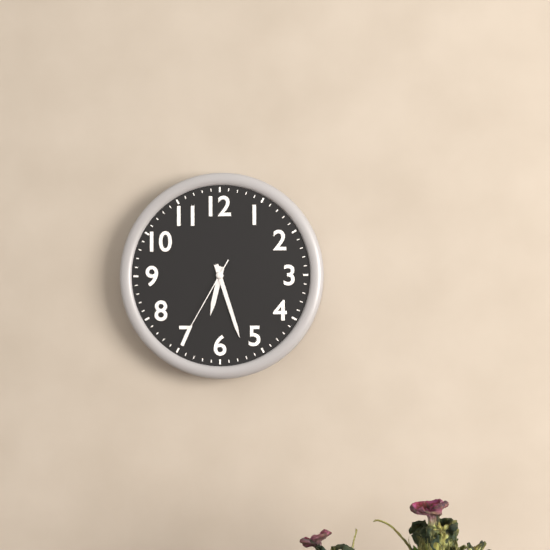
6:27:35
